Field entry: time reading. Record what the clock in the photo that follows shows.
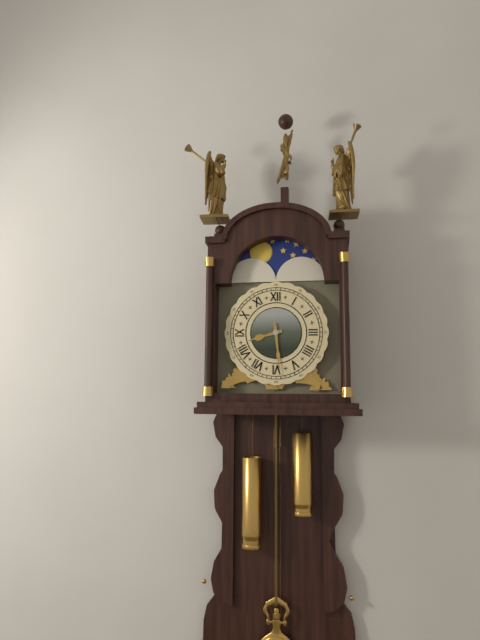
8:29
